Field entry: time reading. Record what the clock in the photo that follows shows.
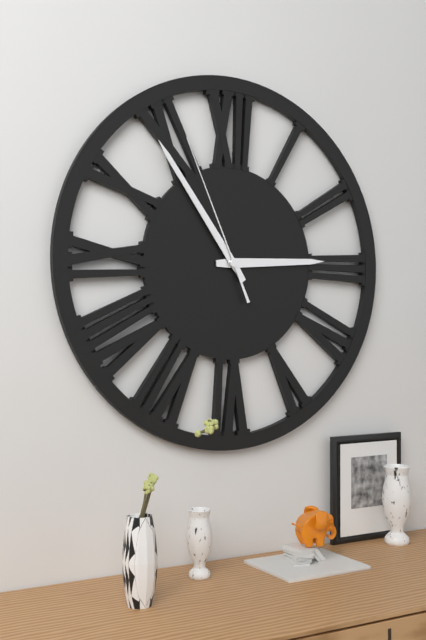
2:54:56
